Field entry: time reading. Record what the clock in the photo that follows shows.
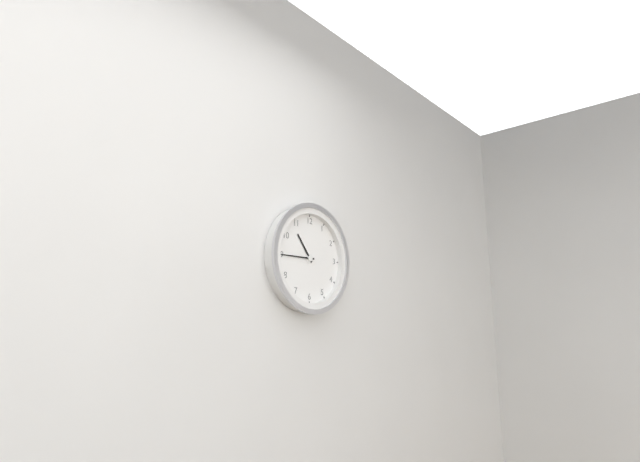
10:45
